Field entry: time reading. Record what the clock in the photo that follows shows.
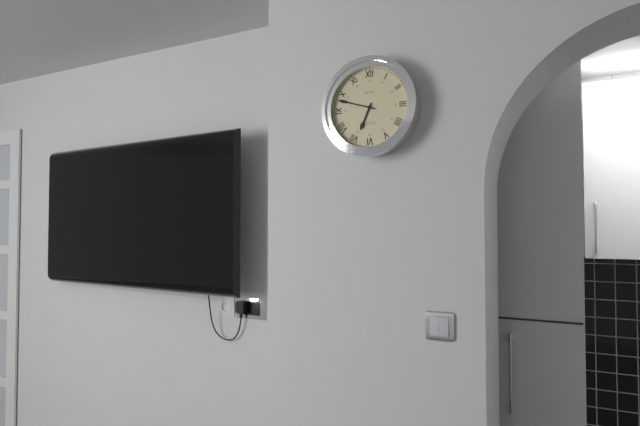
6:48
